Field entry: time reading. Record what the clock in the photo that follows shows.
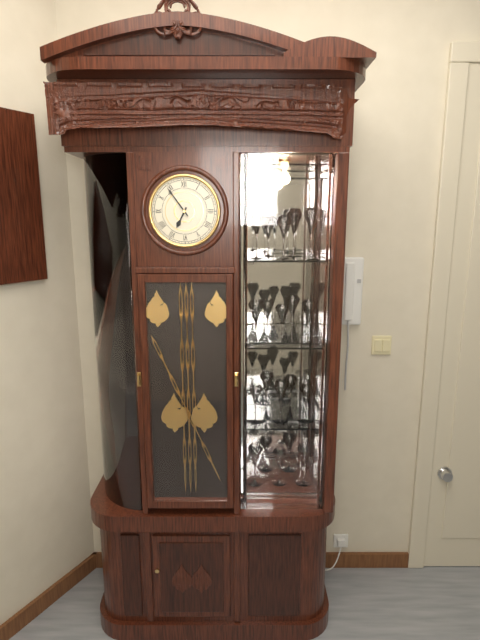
6:54
